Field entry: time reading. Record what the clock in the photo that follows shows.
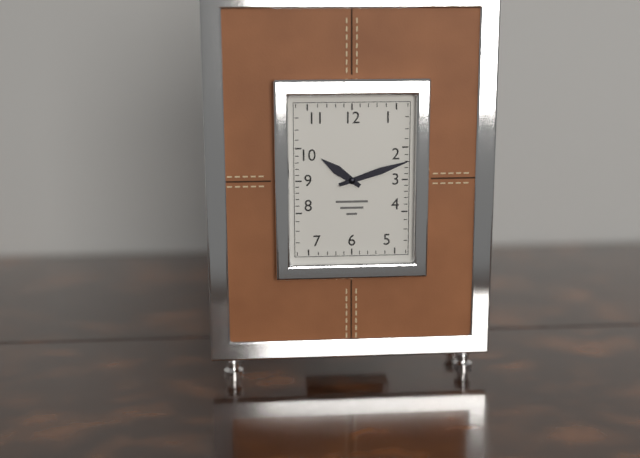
10:12
